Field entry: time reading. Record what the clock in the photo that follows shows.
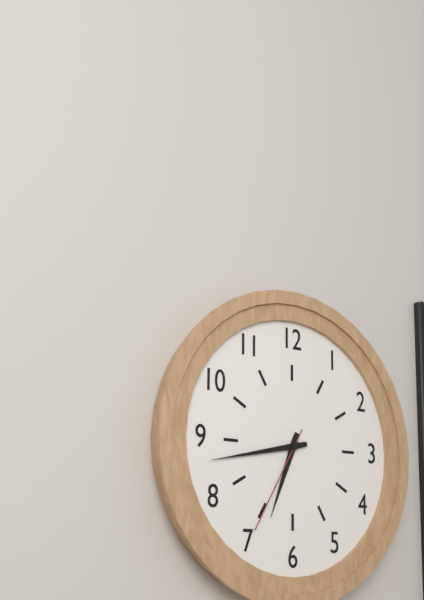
6:43:35
